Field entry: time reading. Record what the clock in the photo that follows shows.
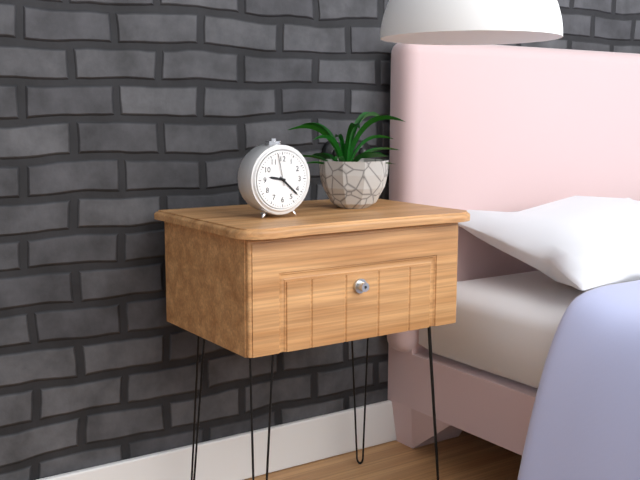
9:22
